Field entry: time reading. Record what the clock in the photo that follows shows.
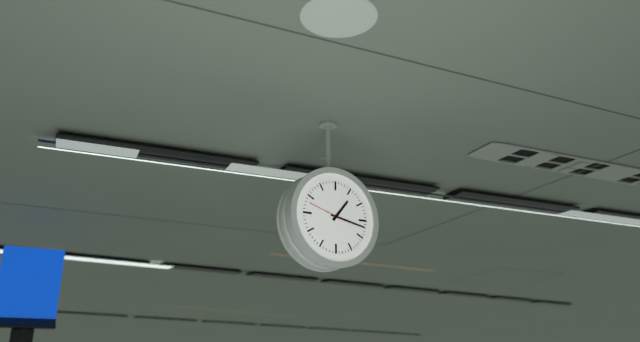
1:17
